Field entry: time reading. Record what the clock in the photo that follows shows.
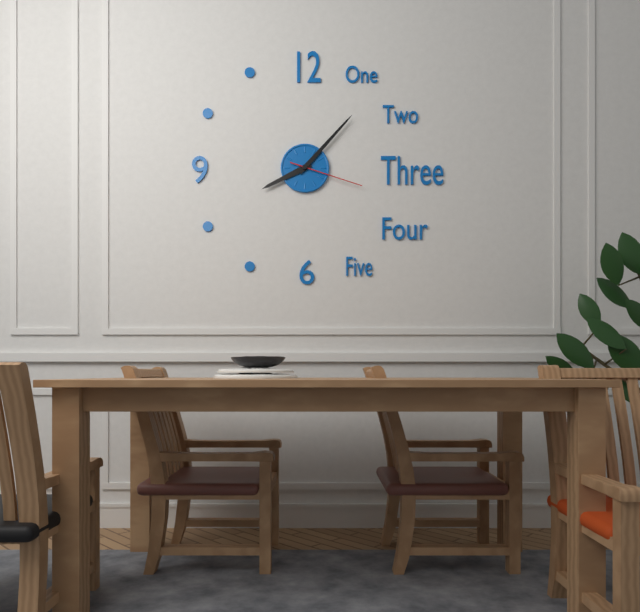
8:07:18
